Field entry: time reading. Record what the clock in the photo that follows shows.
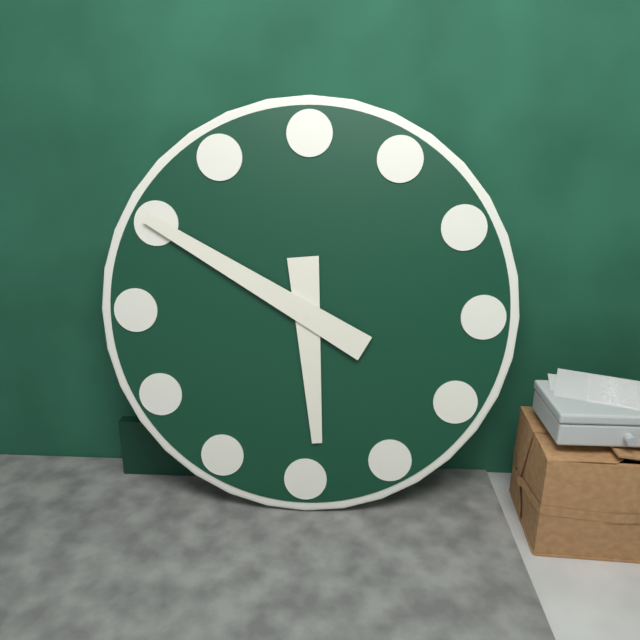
5:50
